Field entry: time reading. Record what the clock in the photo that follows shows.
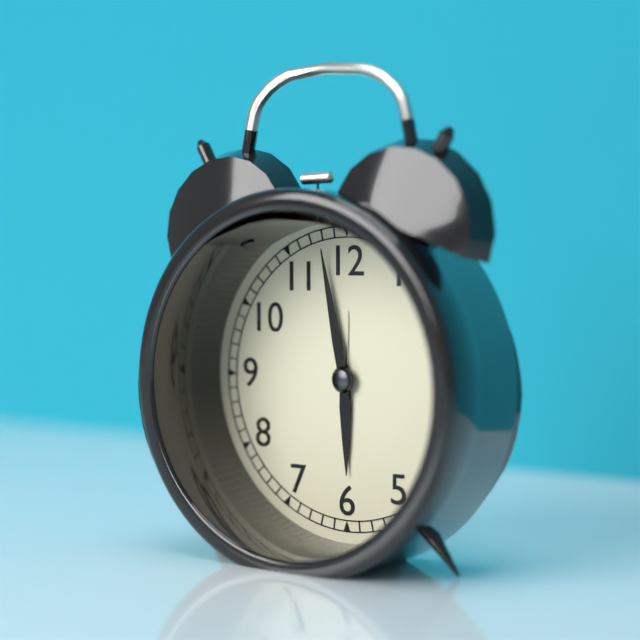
5:58
